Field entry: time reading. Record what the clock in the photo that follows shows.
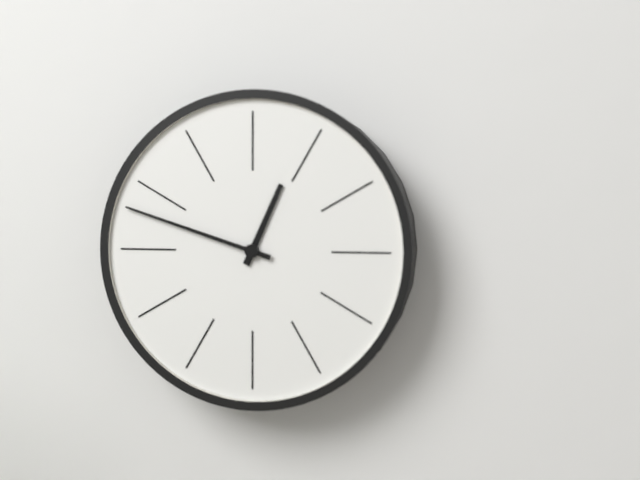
12:48
